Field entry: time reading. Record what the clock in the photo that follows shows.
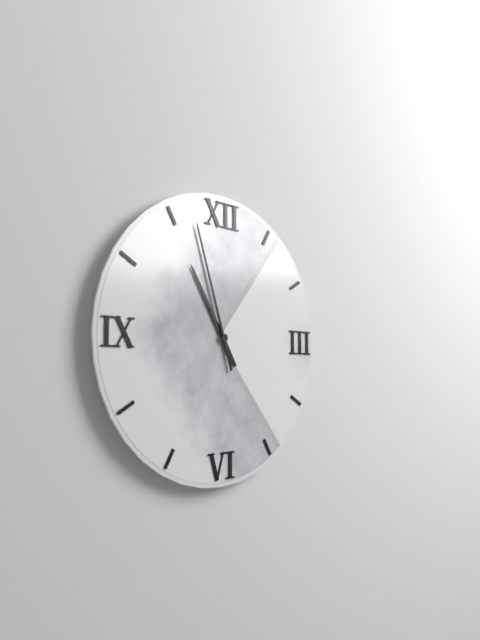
10:57
